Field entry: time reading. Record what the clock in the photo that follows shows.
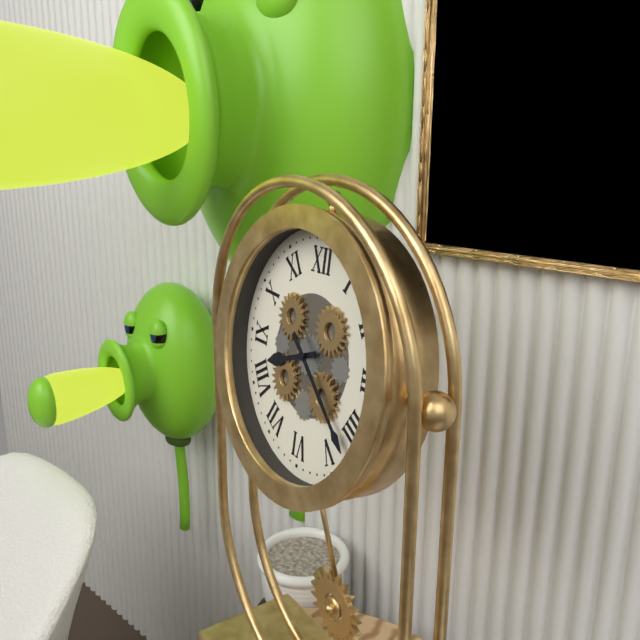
8:22
